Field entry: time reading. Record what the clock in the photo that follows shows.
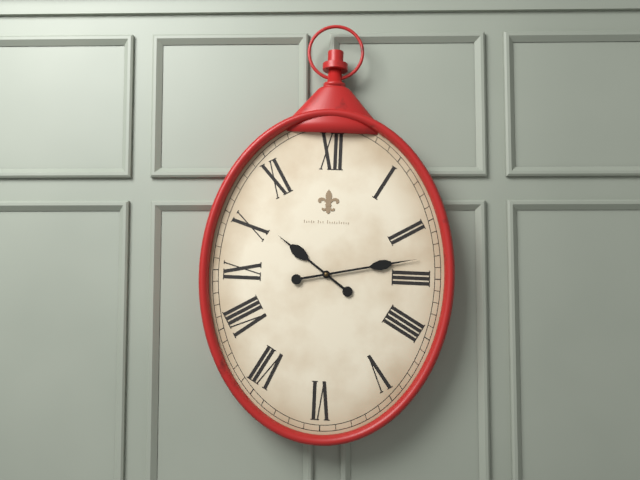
10:13
